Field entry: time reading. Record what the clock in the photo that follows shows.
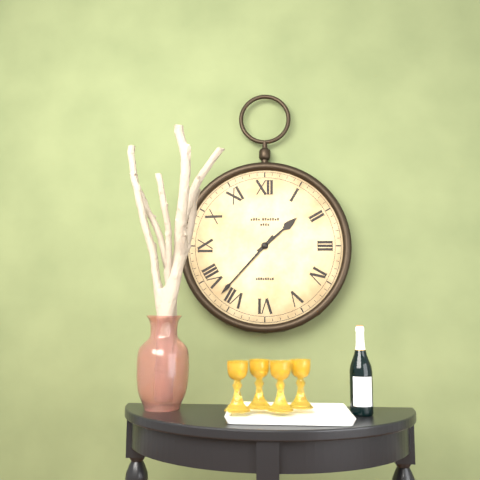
1:37
